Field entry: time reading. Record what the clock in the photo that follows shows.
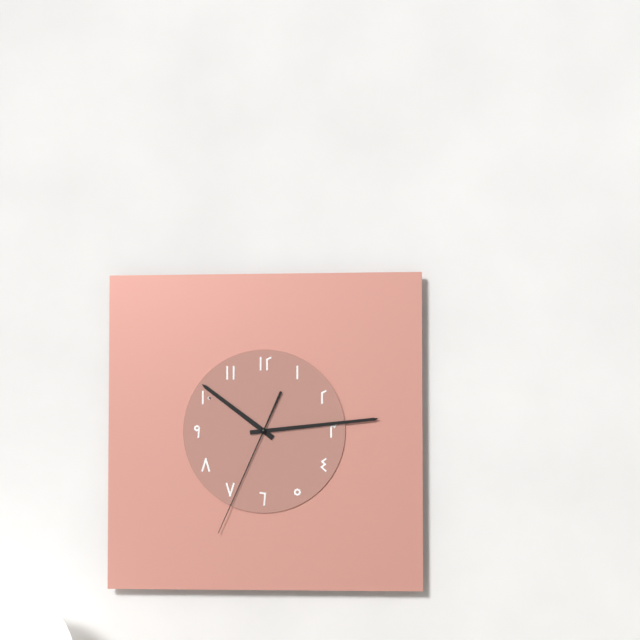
10:14:34
